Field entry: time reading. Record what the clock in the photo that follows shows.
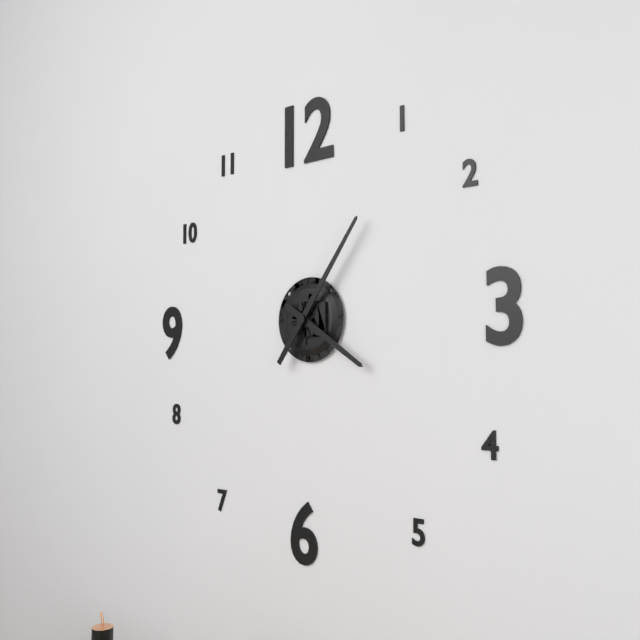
4:06
